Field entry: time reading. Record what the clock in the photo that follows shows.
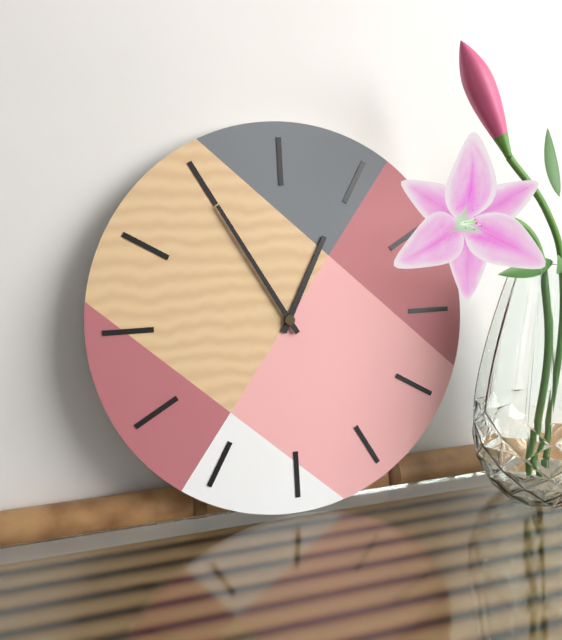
12:55
